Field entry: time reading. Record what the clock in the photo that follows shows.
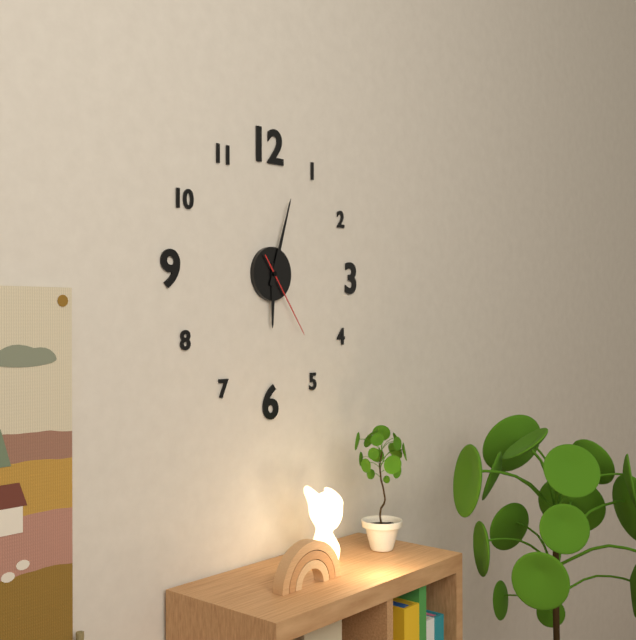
6:03:24
